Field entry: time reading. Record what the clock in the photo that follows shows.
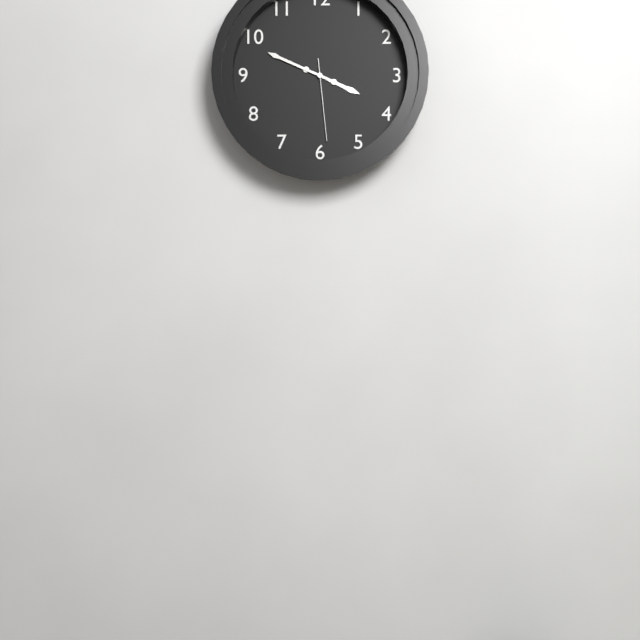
3:49:29
